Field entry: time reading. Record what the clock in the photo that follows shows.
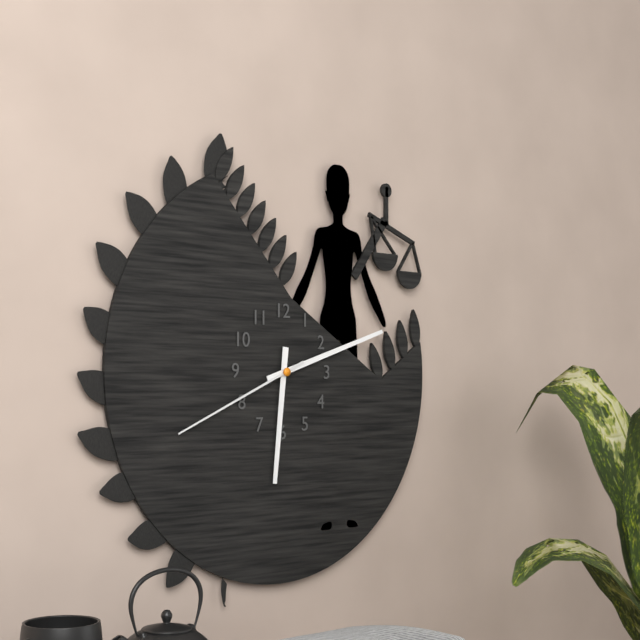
6:12:41
